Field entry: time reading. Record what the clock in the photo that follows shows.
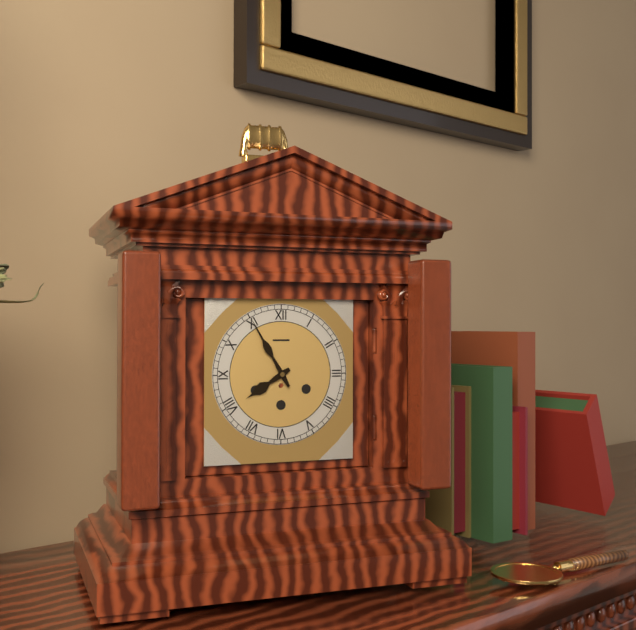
7:55
